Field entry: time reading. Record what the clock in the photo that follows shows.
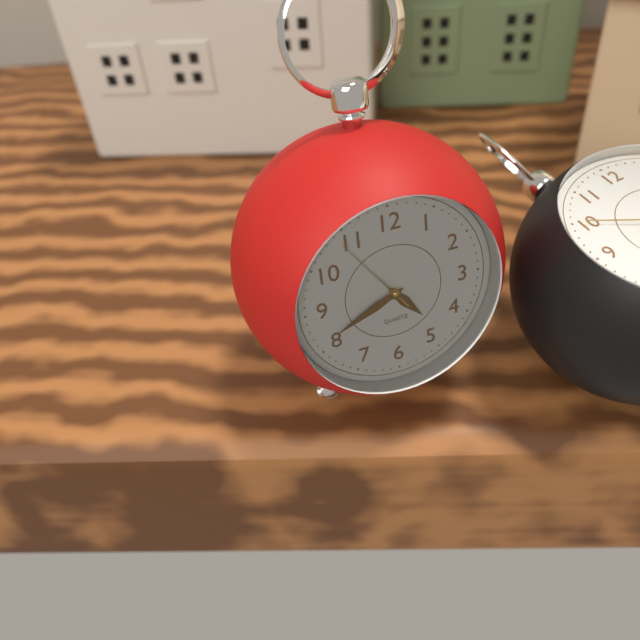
4:41:54
